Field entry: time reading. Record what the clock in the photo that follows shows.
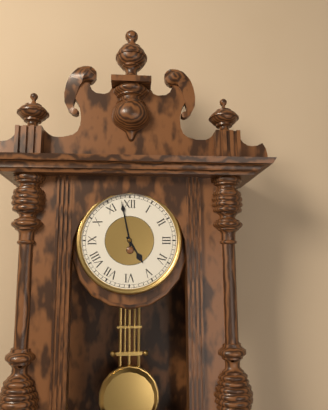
4:58
